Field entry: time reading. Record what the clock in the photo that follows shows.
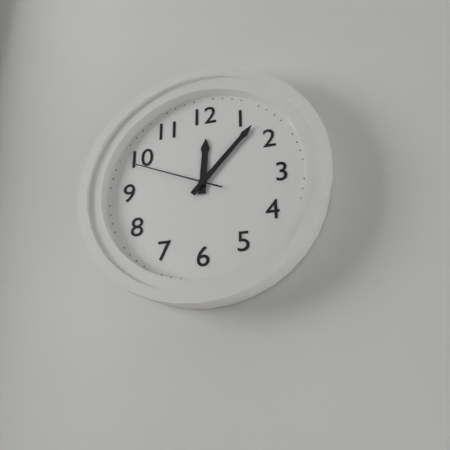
12:07:49
